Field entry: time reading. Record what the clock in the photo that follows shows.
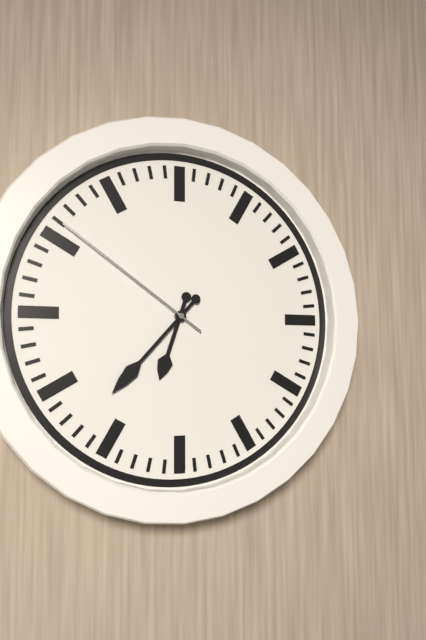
6:37:51
